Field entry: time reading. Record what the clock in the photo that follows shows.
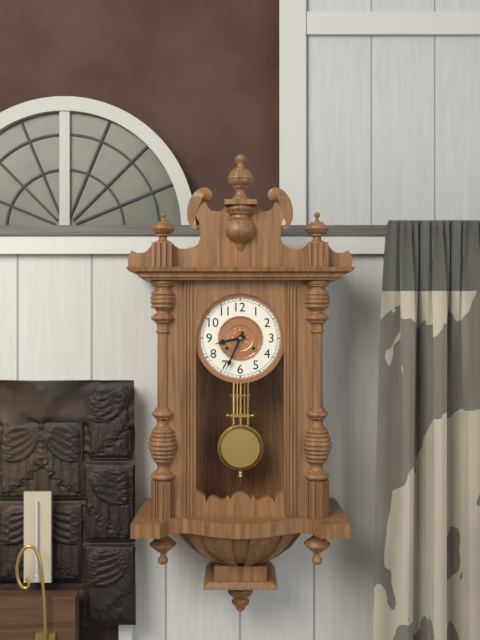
8:34
